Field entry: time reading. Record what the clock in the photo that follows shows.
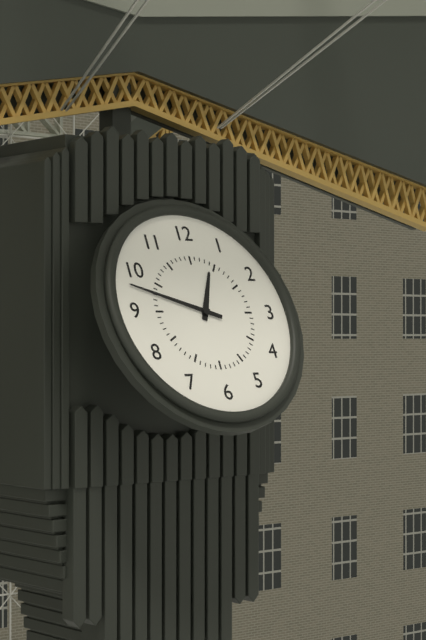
12:48
